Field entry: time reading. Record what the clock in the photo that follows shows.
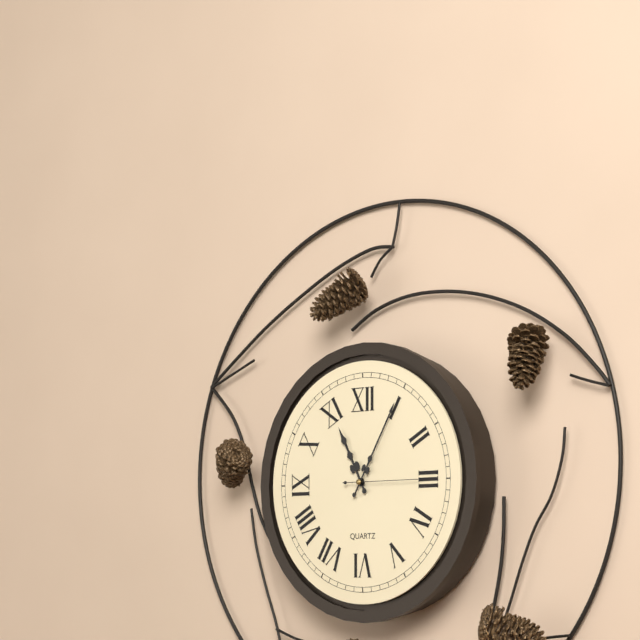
11:05:15
